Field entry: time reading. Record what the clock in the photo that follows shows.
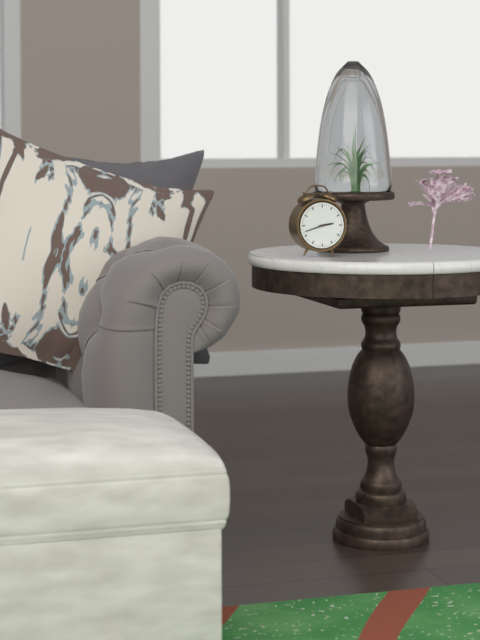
2:42
